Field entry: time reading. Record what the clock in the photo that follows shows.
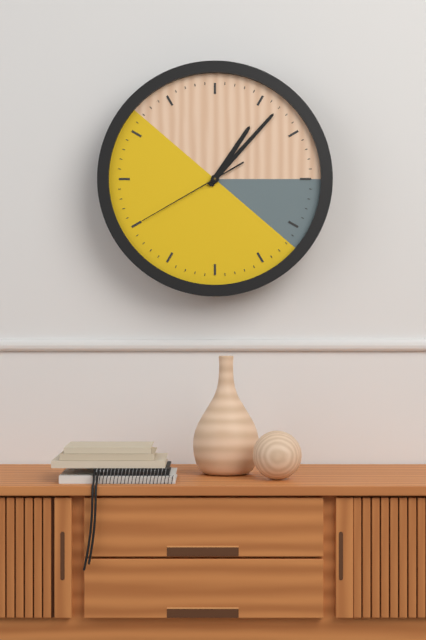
1:07:40
